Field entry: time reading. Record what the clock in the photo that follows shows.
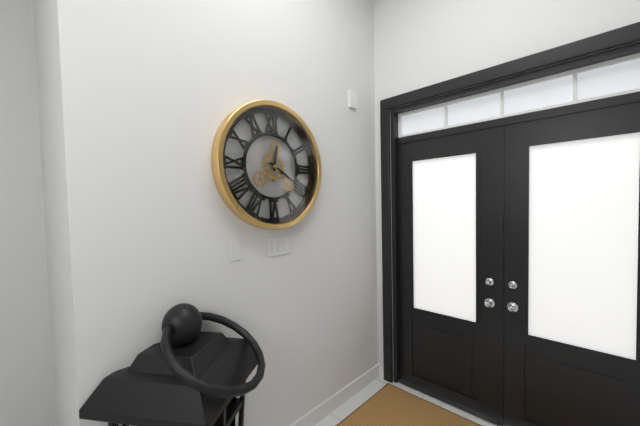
12:20
